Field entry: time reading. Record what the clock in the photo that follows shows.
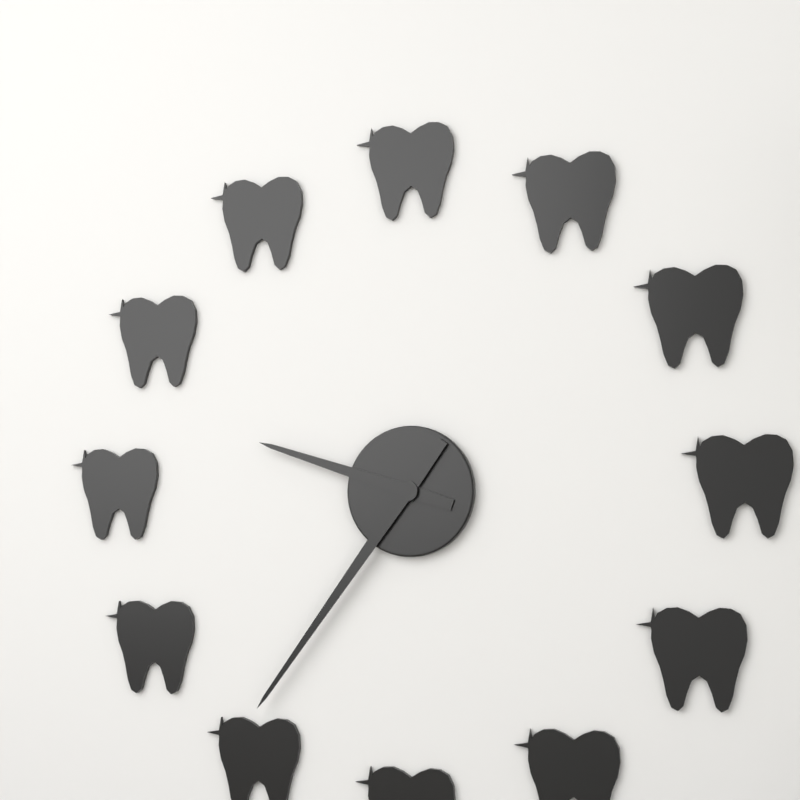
9:36
